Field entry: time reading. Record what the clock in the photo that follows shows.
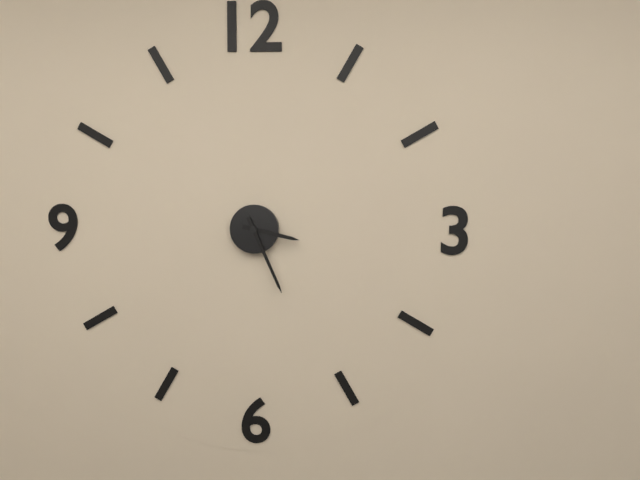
3:26
